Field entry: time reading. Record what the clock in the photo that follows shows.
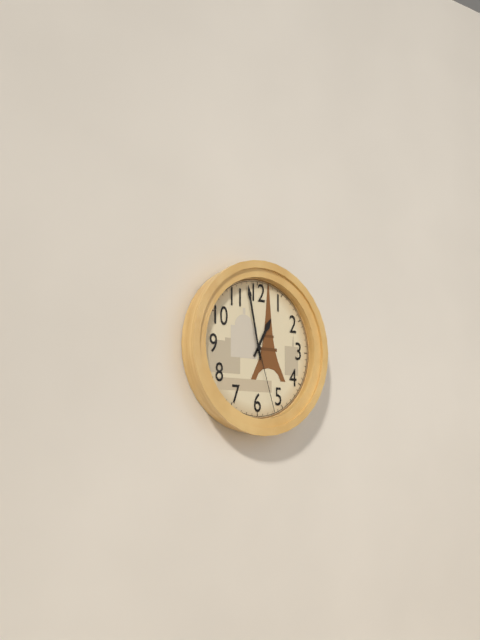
12:58:27
